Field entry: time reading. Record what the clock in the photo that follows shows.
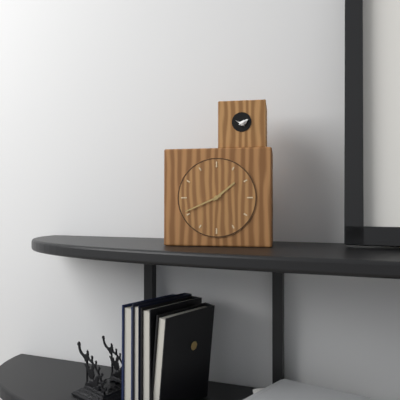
1:41
